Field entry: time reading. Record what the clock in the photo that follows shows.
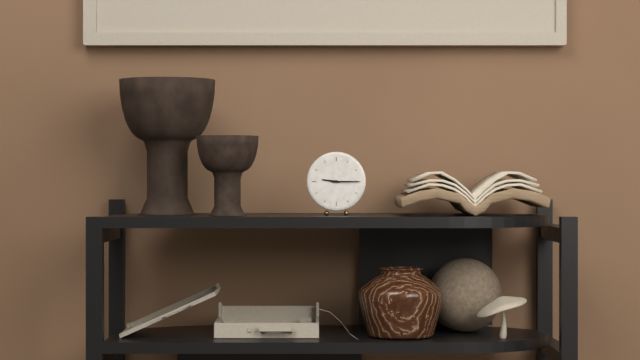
9:15
